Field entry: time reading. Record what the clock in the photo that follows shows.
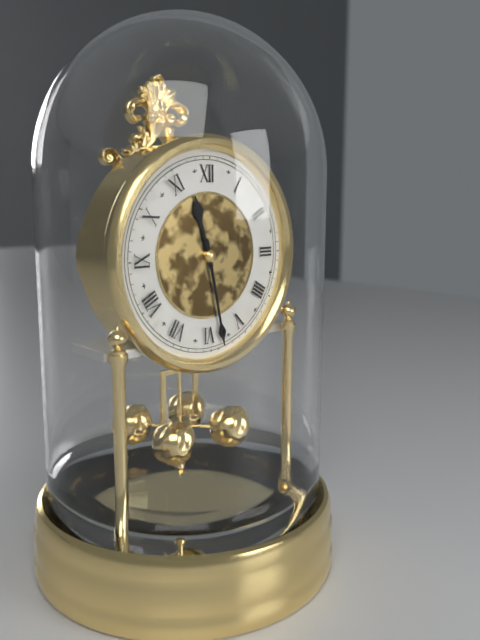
11:28
